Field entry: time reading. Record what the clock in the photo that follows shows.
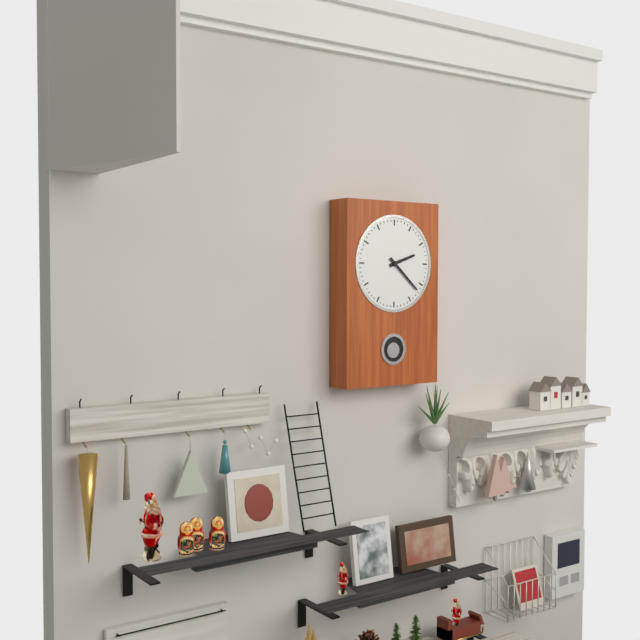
2:22
